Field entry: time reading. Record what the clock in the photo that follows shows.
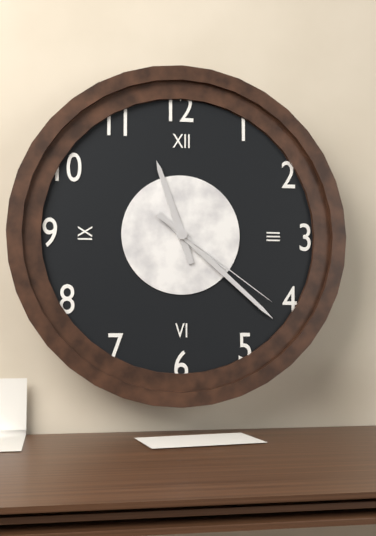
11:22:21
